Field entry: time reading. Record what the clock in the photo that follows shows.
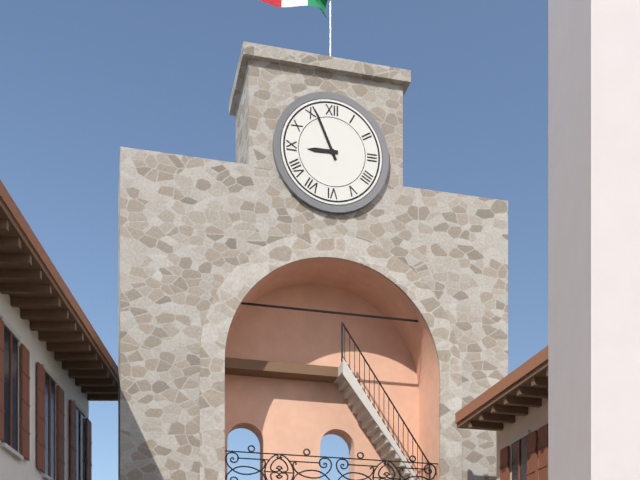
8:56
